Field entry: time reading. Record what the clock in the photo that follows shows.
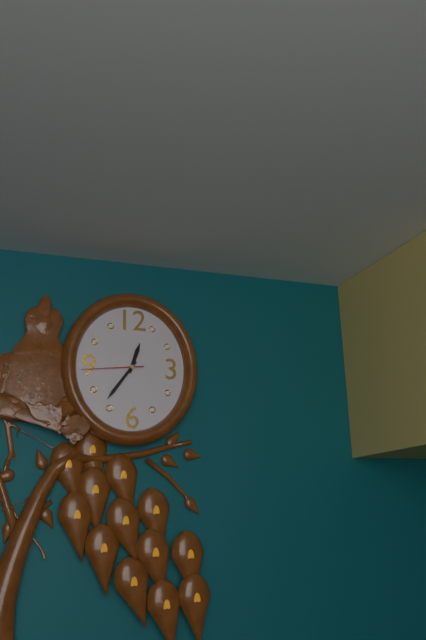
12:36:44
